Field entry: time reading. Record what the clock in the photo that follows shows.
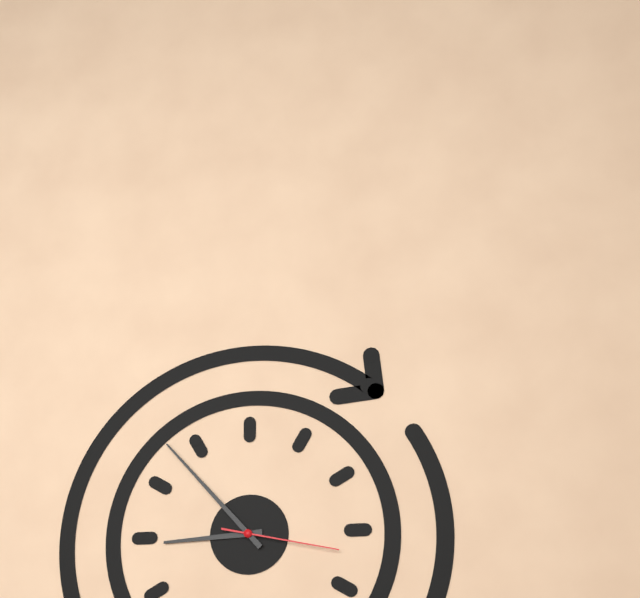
8:53:17
